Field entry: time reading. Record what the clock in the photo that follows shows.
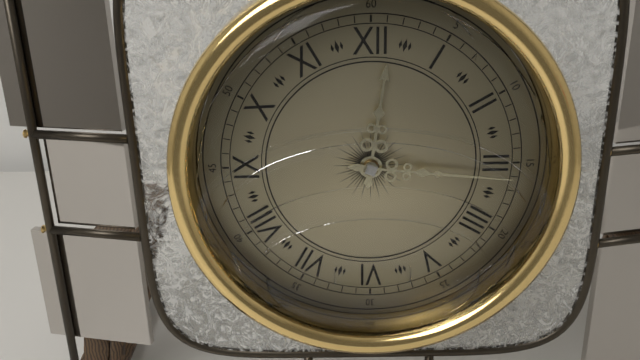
12:16
